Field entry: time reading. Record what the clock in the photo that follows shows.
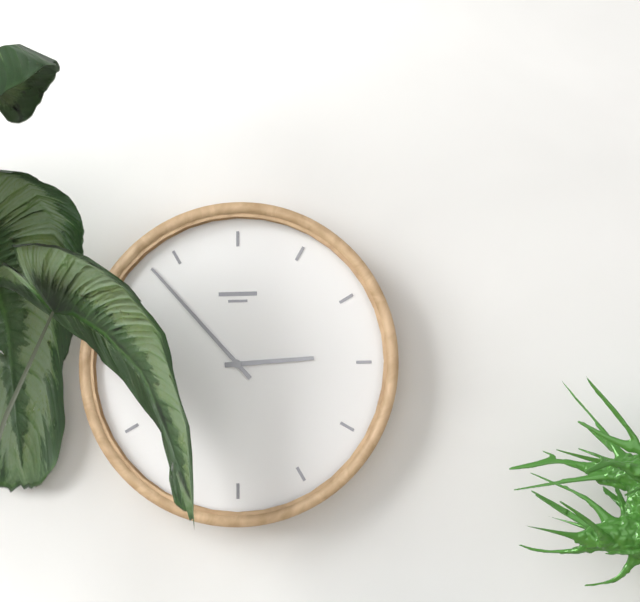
2:53
